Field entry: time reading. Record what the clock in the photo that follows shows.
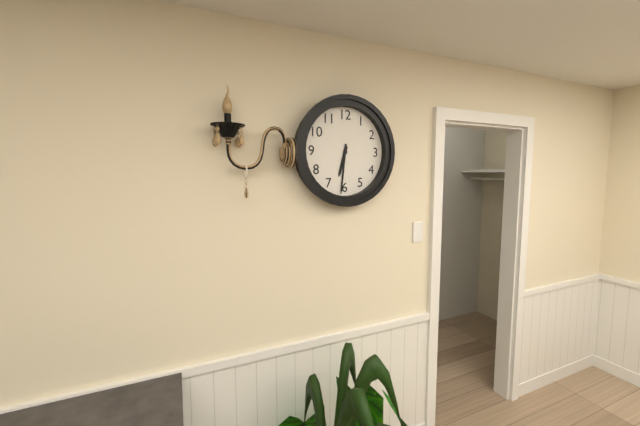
6:31
